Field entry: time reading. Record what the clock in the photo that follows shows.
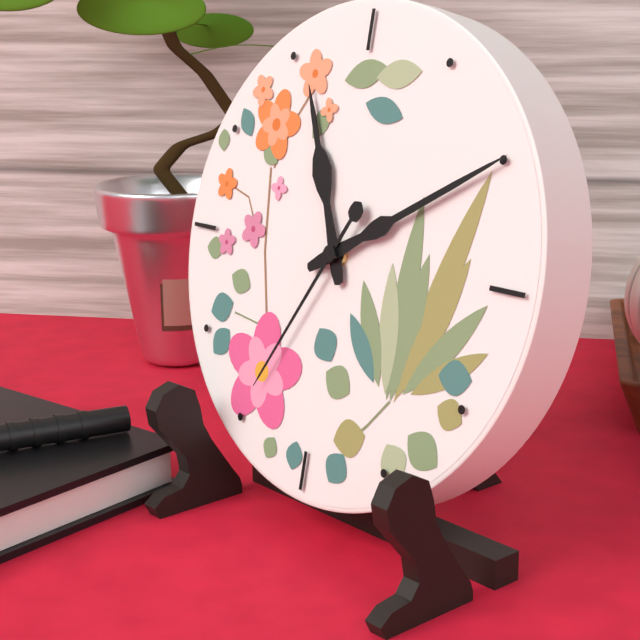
11:10:35
